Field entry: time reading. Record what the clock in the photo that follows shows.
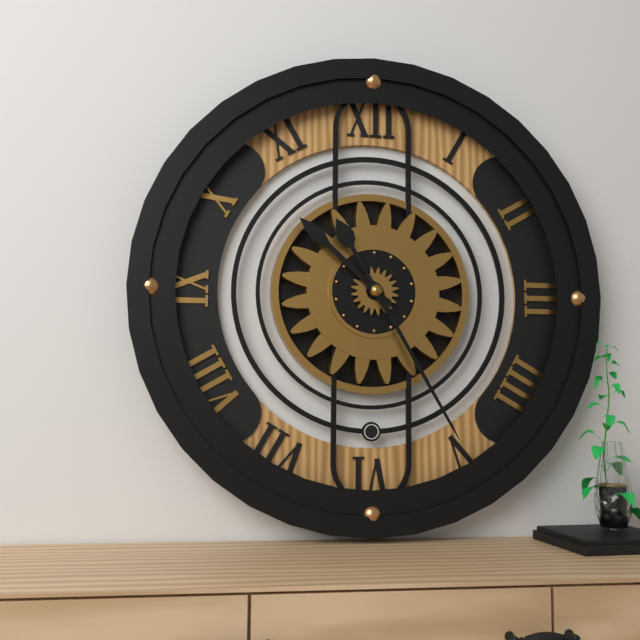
10:25
